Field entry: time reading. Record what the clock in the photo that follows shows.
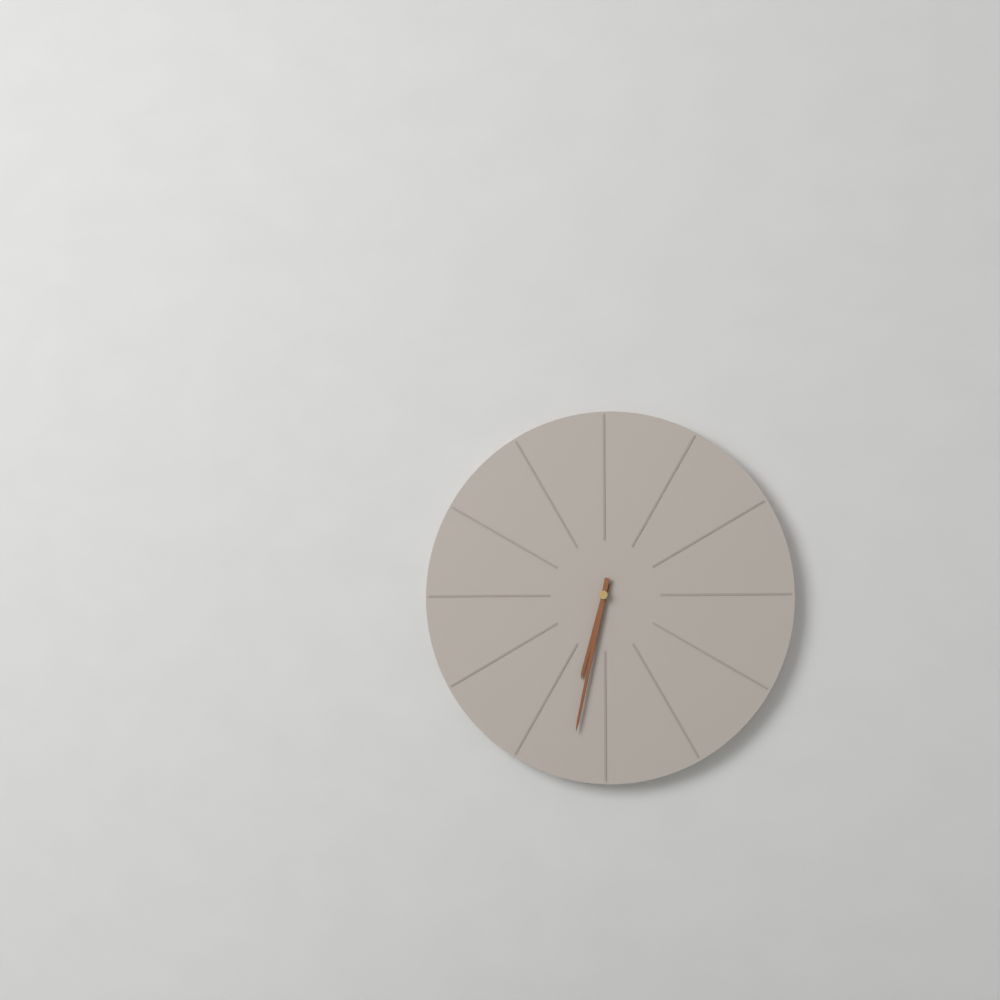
6:32
